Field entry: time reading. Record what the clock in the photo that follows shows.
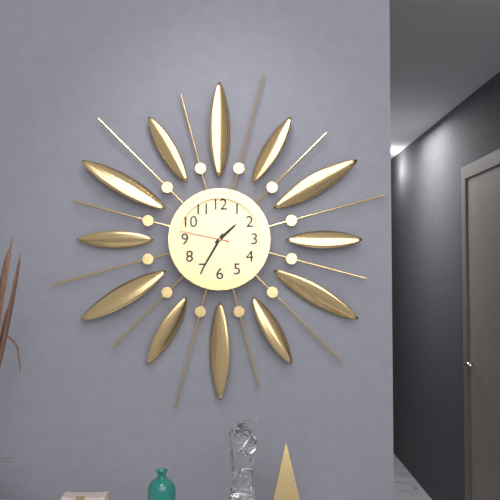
1:35:47
